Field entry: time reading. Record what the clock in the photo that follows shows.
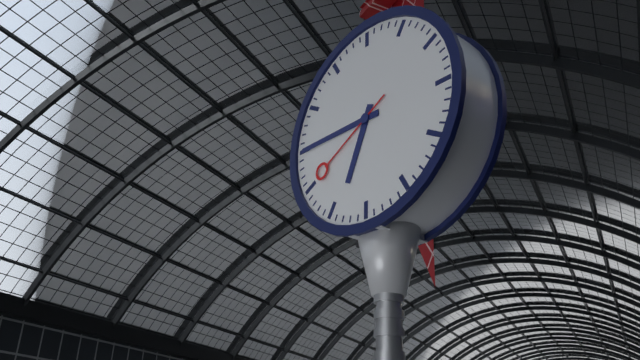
6:45:40
